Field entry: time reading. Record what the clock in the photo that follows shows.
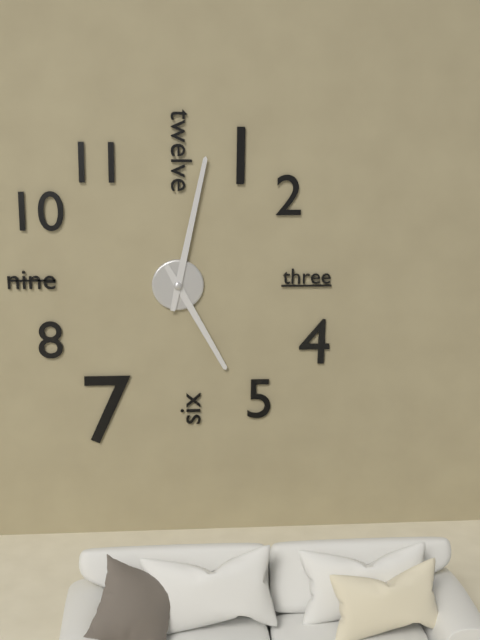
5:02
